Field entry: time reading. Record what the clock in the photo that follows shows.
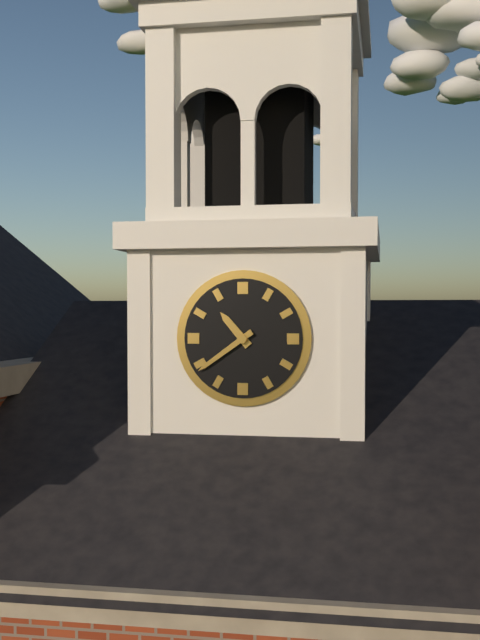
10:39
